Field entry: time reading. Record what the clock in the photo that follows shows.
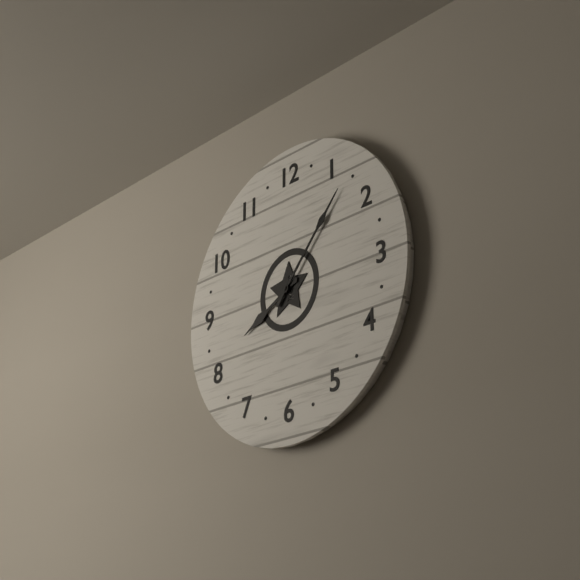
8:07
